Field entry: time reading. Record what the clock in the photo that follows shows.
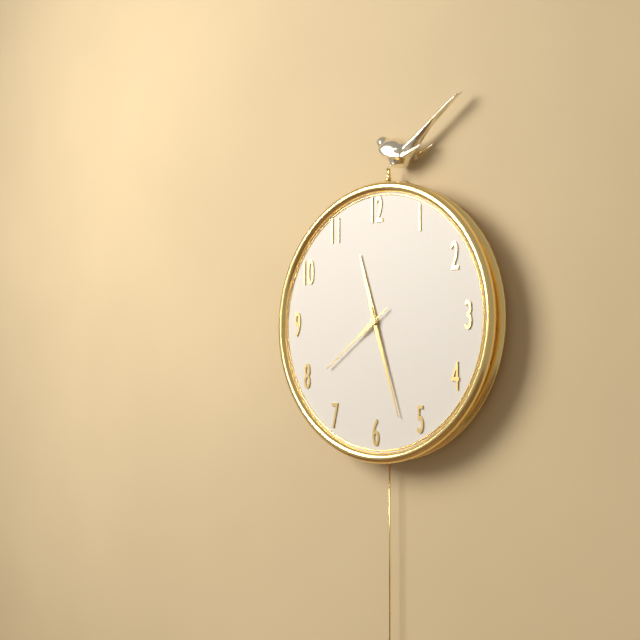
11:27:39
